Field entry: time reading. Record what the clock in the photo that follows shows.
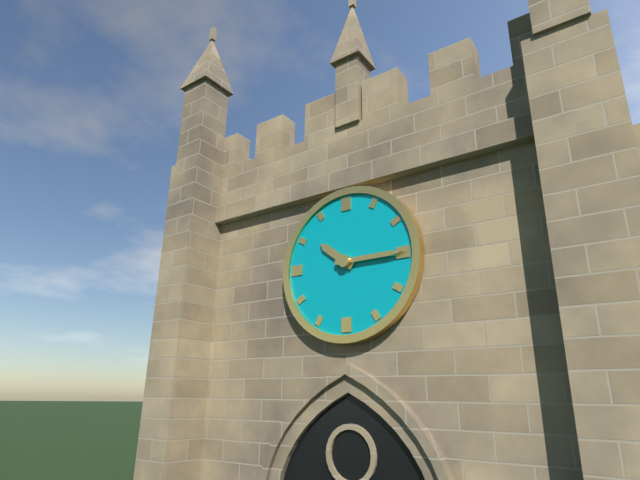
10:15
